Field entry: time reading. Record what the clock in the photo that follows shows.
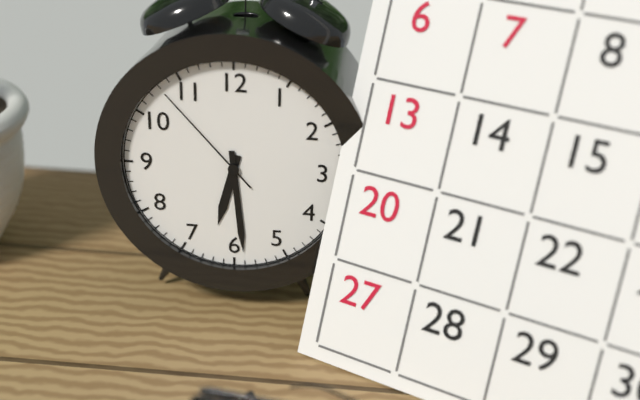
6:29:53
